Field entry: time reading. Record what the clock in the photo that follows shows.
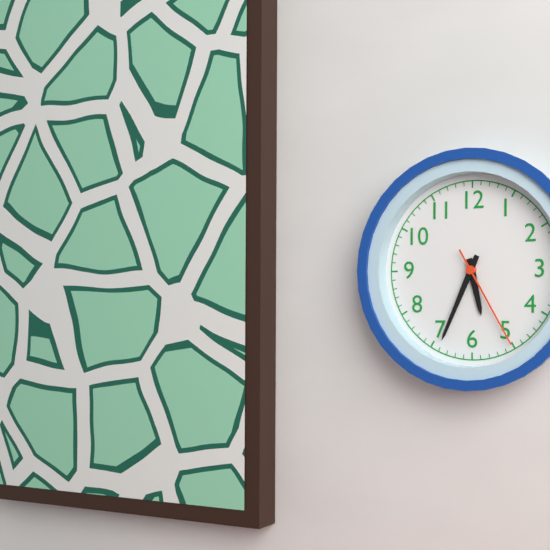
5:34:25
